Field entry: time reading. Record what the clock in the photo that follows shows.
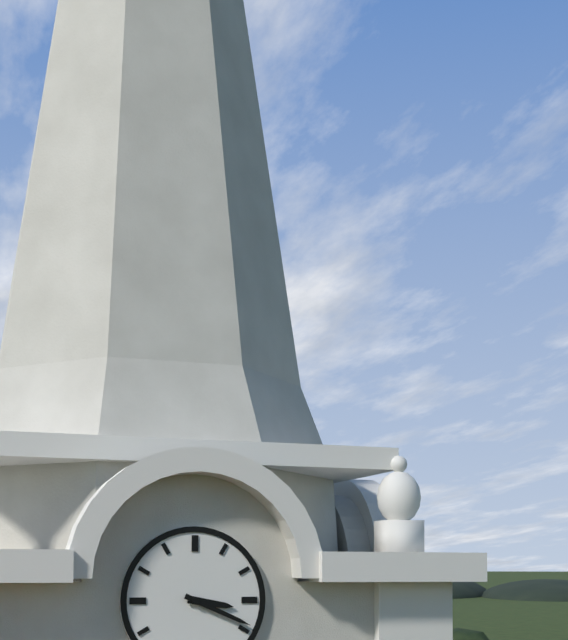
3:19
